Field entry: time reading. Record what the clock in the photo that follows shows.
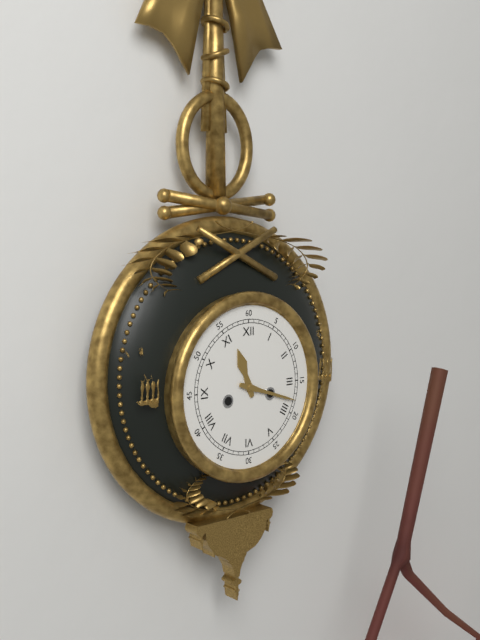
11:18
